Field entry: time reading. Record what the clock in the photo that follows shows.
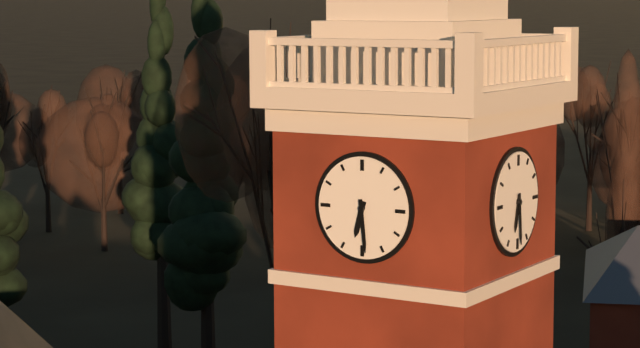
6:29
